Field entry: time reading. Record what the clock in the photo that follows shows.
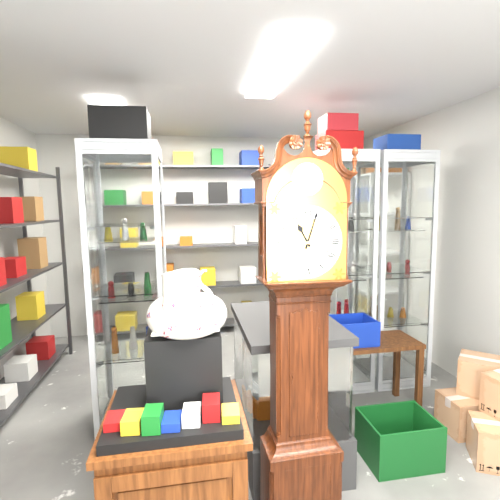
11:03
